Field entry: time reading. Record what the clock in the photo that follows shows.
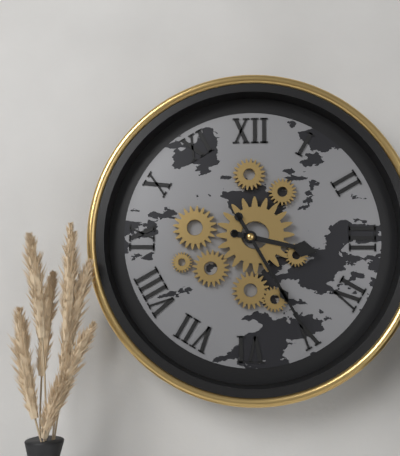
3:25
